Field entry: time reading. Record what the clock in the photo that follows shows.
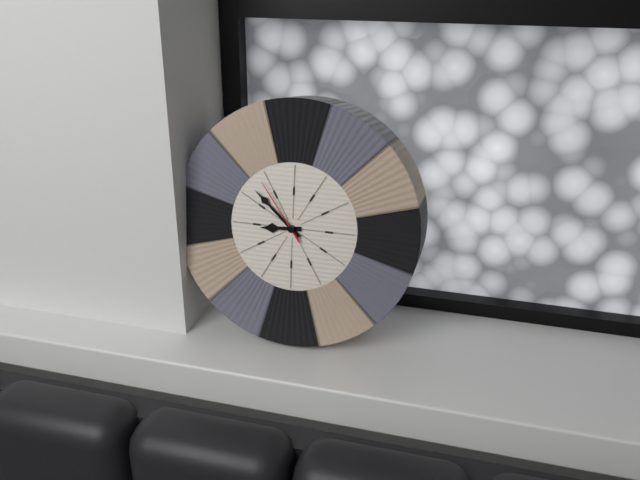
8:52:54
